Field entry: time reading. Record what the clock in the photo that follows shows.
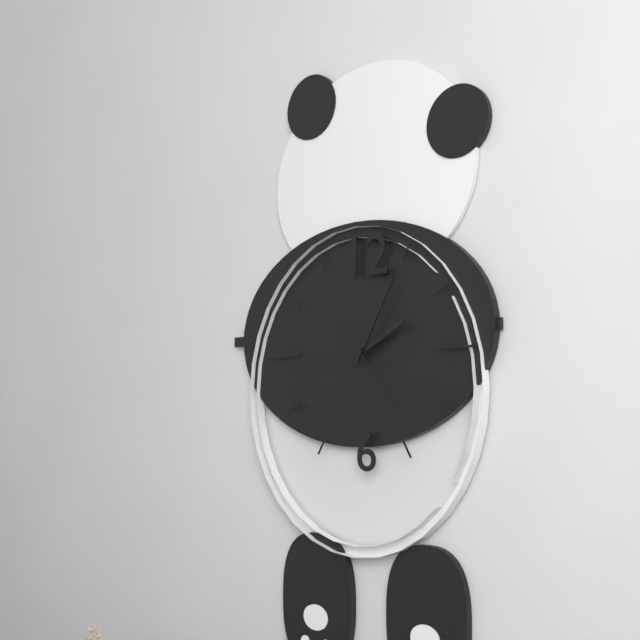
2:05:23
